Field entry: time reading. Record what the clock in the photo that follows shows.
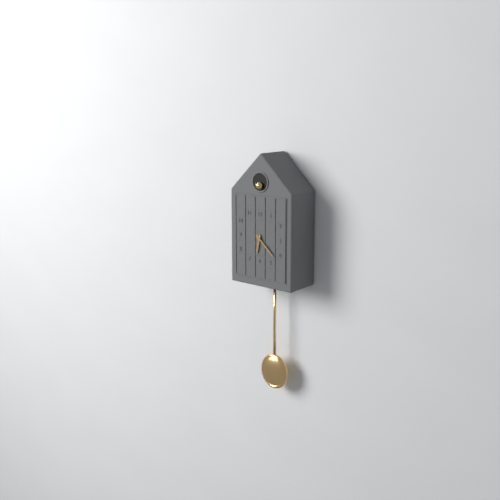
6:22
